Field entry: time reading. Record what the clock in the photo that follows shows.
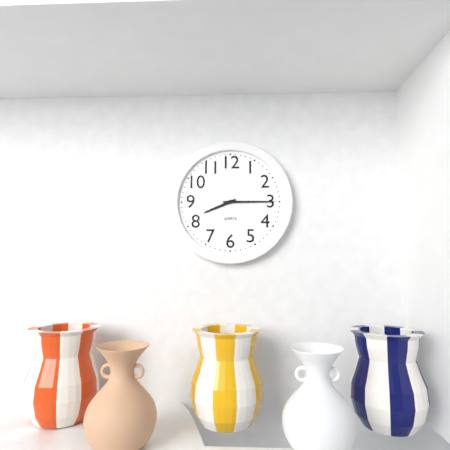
8:15
